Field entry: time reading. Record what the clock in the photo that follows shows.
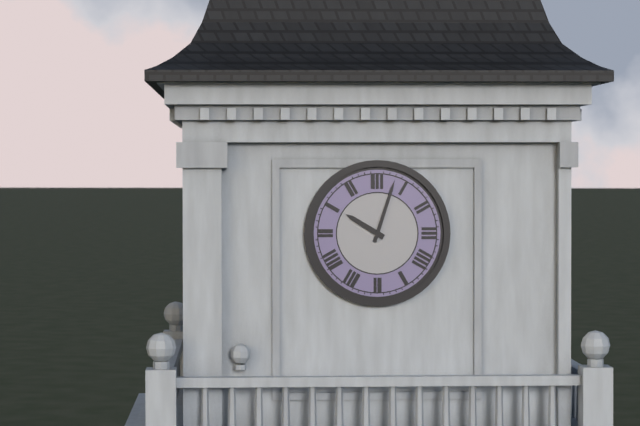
10:03
